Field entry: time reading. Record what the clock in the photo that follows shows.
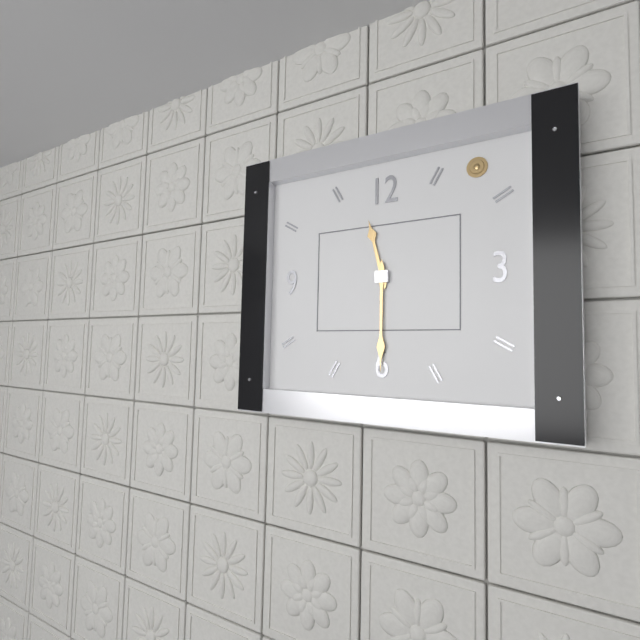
11:30
